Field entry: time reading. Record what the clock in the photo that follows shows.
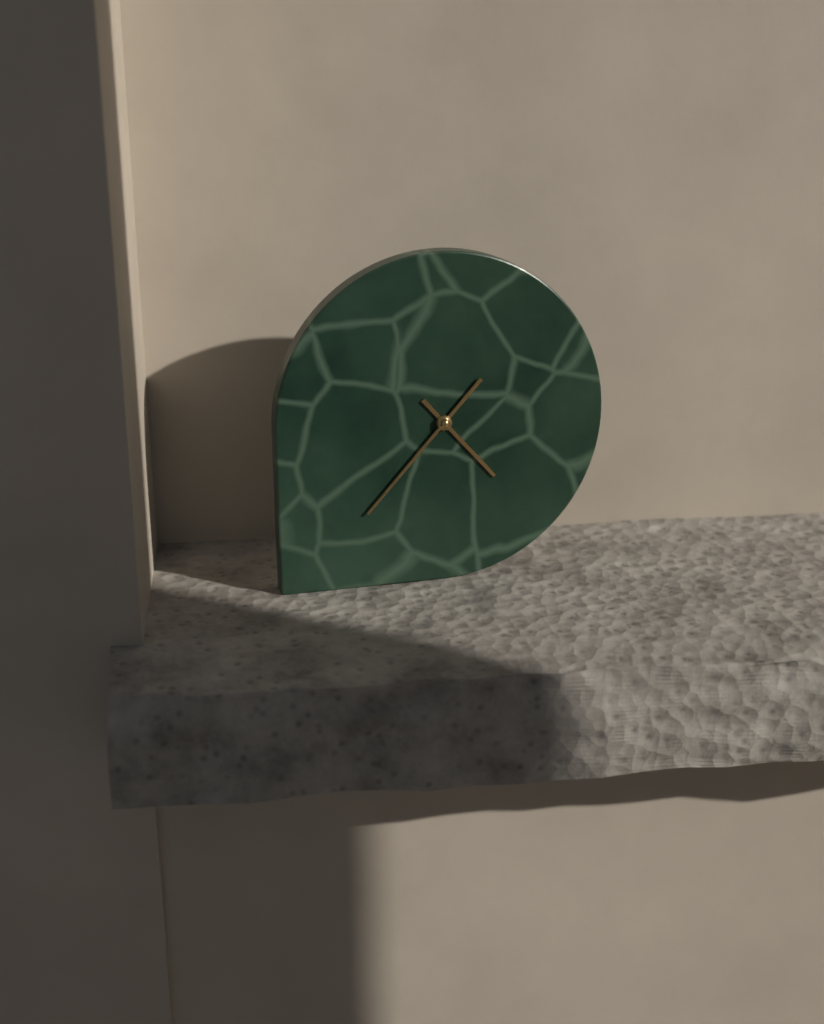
4:37
